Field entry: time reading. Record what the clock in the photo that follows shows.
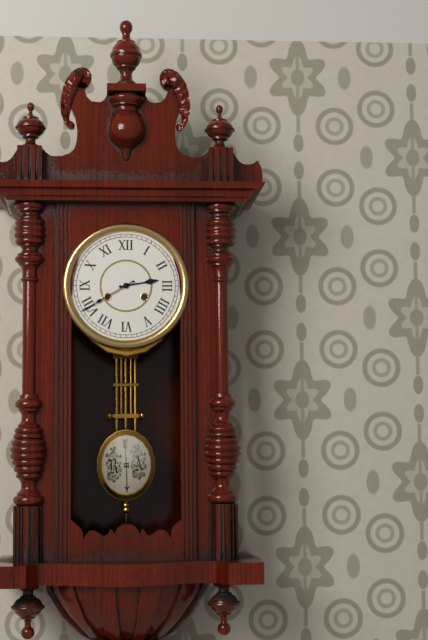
2:40
